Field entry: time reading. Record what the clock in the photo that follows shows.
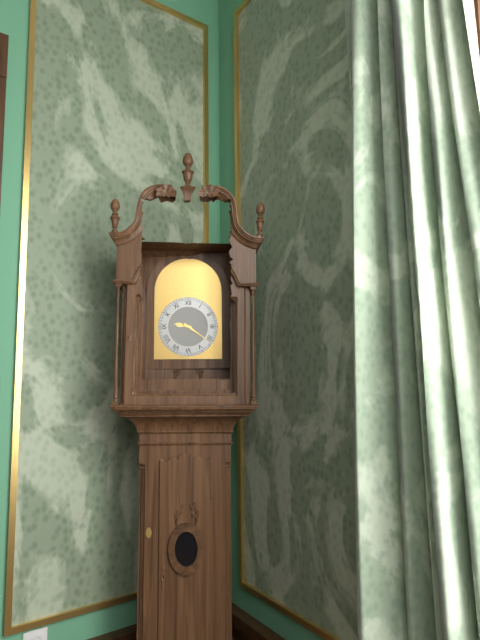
9:21
